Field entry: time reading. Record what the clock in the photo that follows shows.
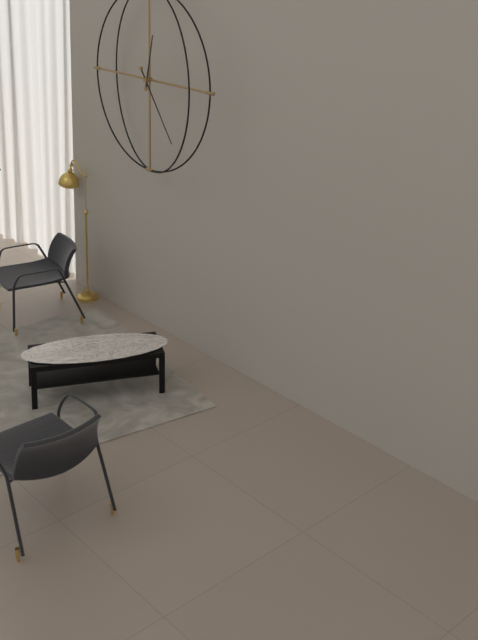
12:24
